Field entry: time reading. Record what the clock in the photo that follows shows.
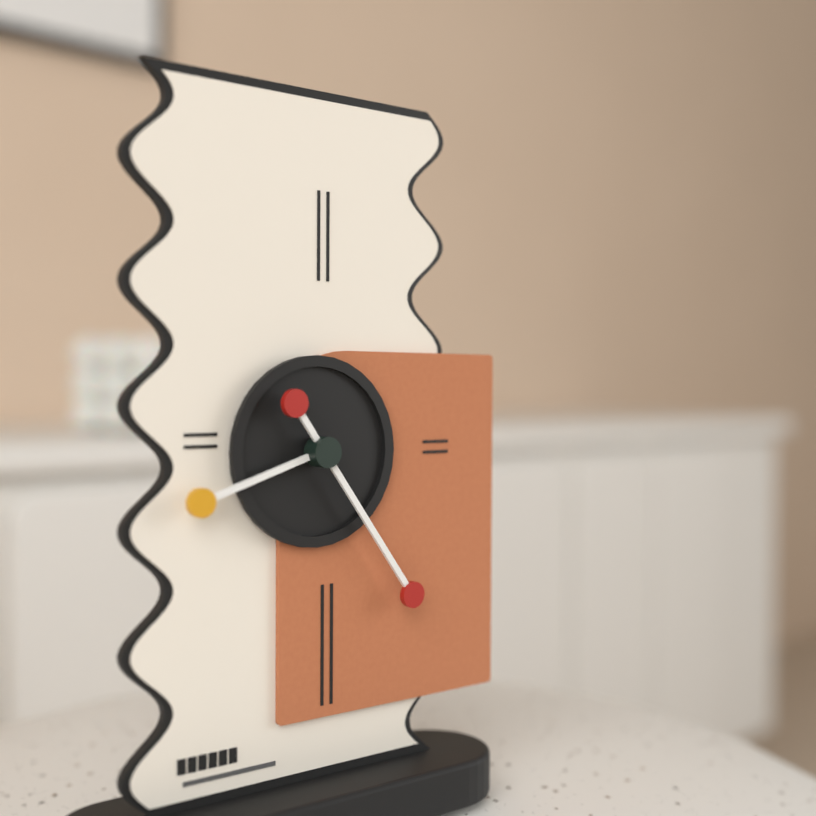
8:24
